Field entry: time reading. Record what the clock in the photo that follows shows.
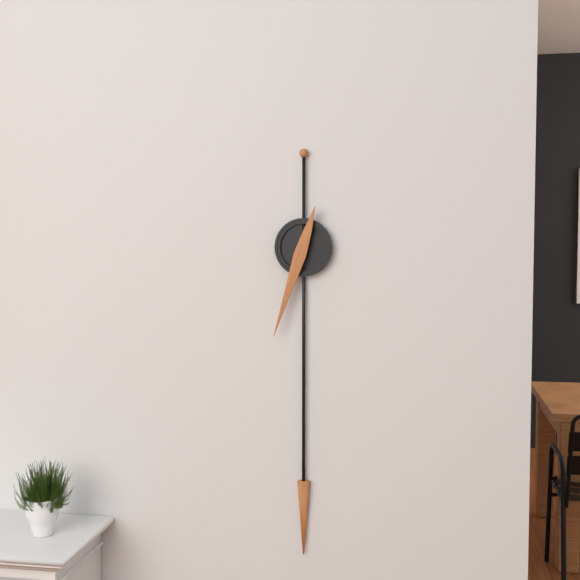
6:33
